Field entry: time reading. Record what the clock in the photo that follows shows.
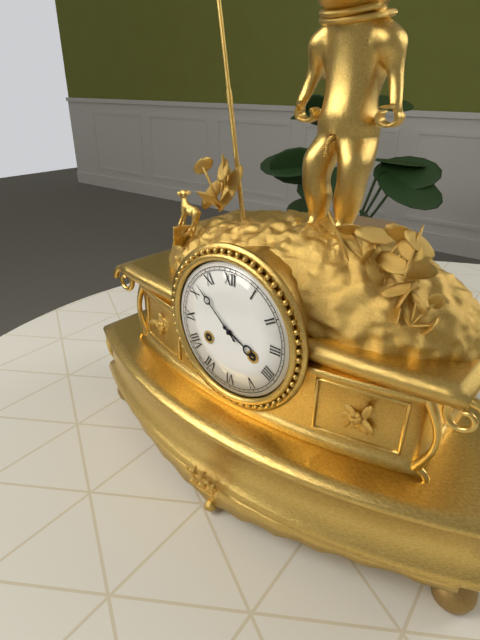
3:52
